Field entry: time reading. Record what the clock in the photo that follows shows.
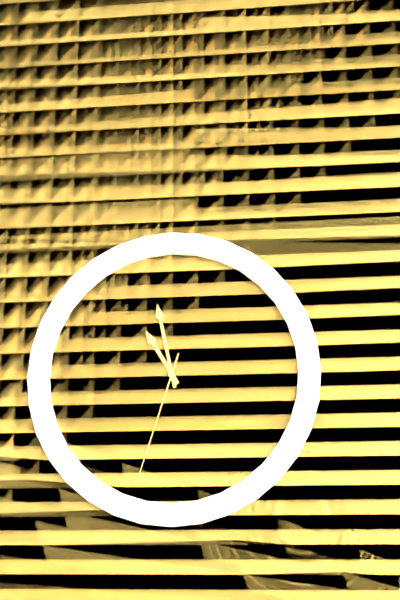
10:58:33
